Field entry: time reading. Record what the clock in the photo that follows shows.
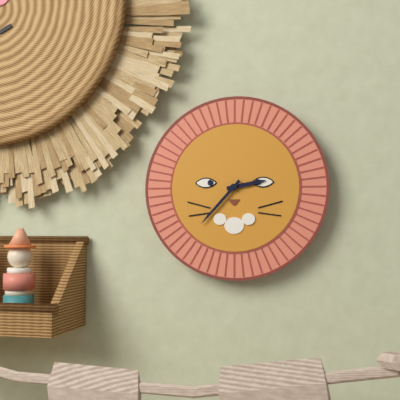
2:37
